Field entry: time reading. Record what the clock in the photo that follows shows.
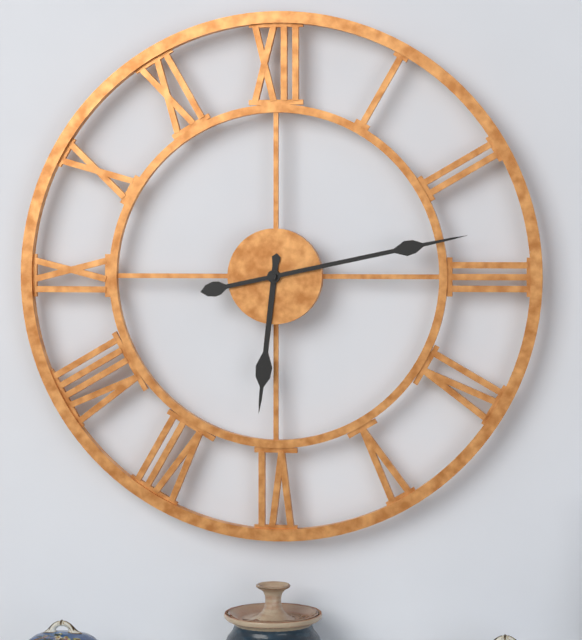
6:13
